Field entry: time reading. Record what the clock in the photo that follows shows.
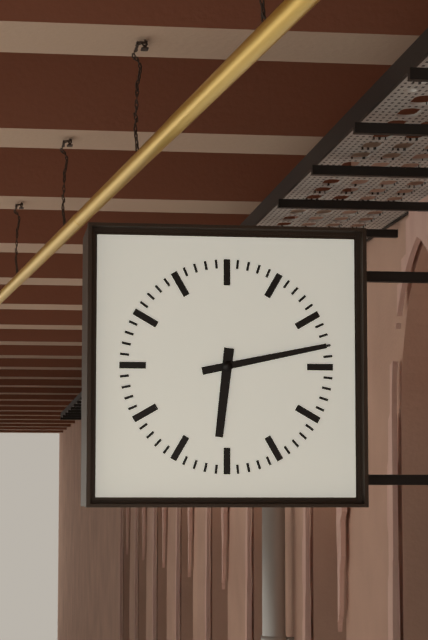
6:13
